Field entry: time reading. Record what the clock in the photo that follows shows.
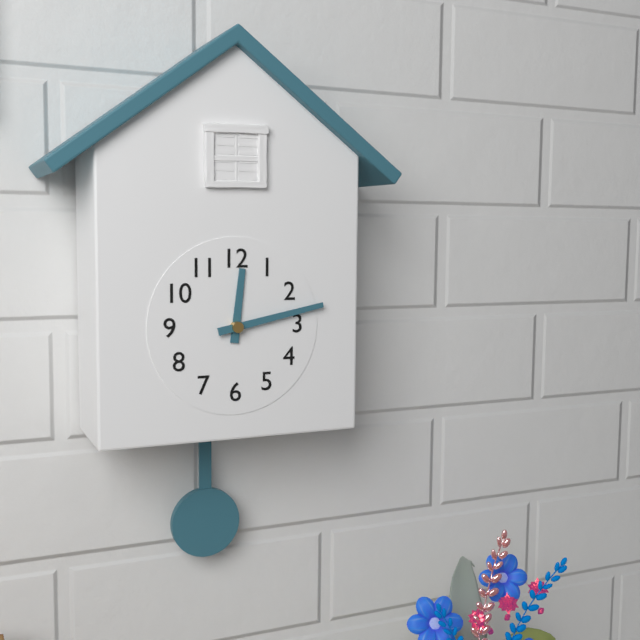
12:13
